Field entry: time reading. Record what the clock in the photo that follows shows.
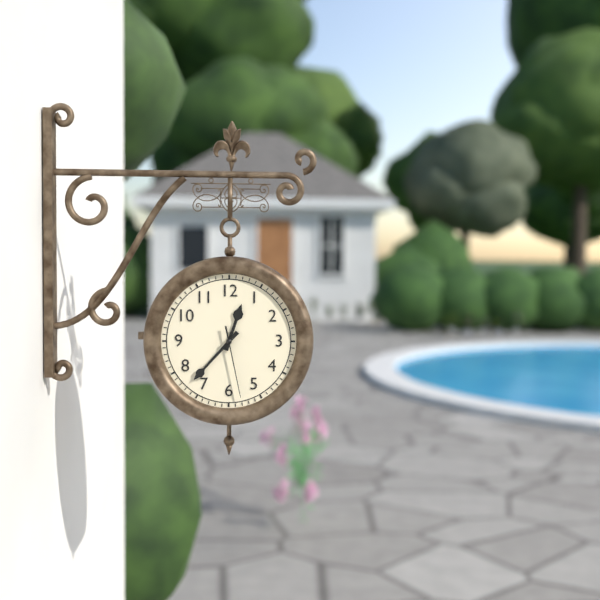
12:37:28
